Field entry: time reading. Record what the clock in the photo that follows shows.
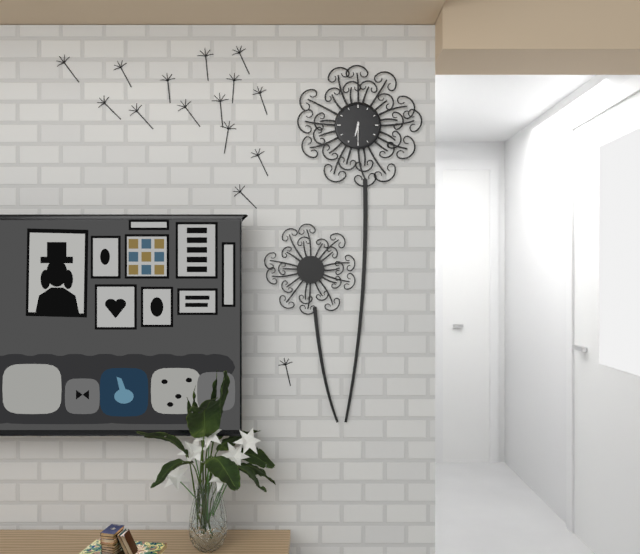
6:30
